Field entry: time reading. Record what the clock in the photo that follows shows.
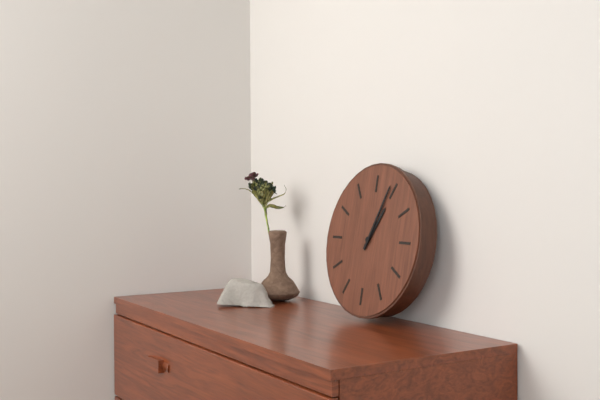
1:04
